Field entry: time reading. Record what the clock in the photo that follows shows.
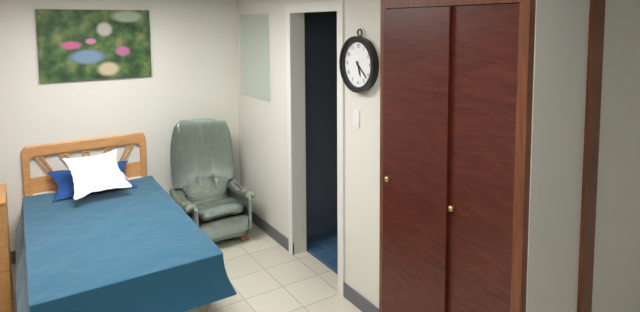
5:22
